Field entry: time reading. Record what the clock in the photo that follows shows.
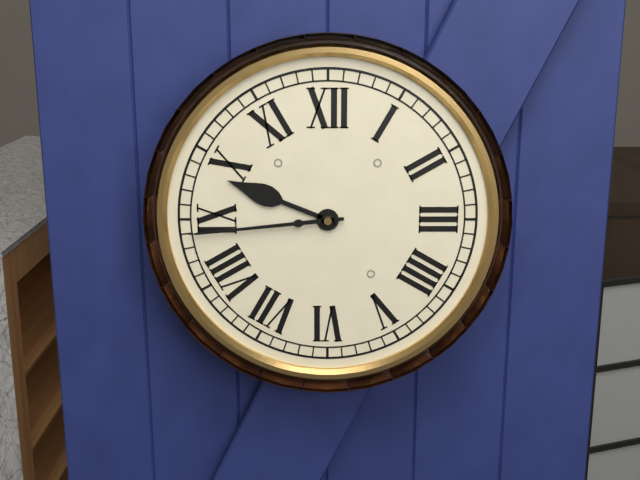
9:44
